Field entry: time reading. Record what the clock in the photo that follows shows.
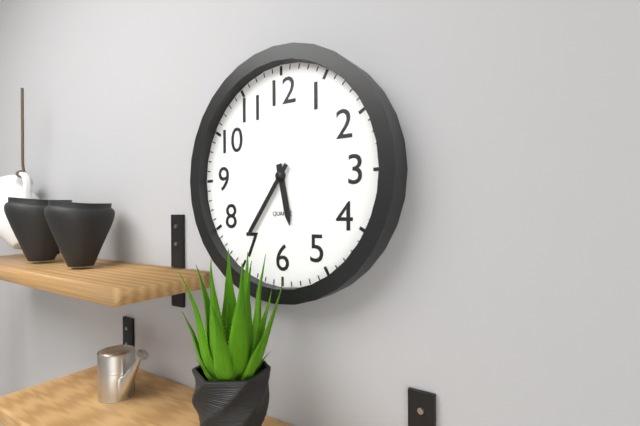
5:36
